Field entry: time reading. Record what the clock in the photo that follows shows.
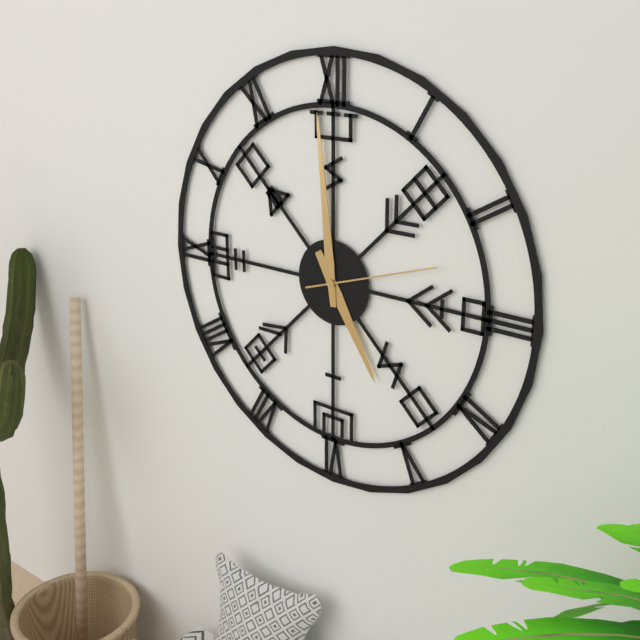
4:59:12
